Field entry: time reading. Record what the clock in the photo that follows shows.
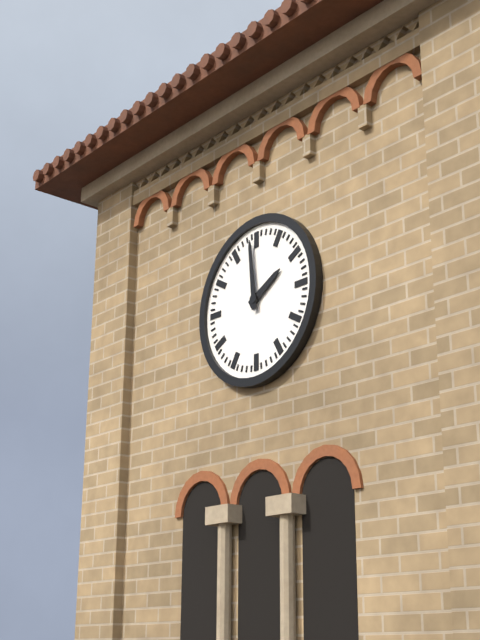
1:59
